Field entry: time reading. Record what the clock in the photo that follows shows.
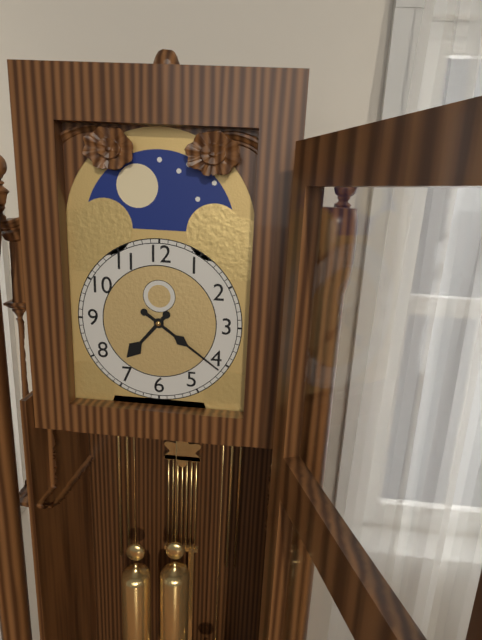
7:21
